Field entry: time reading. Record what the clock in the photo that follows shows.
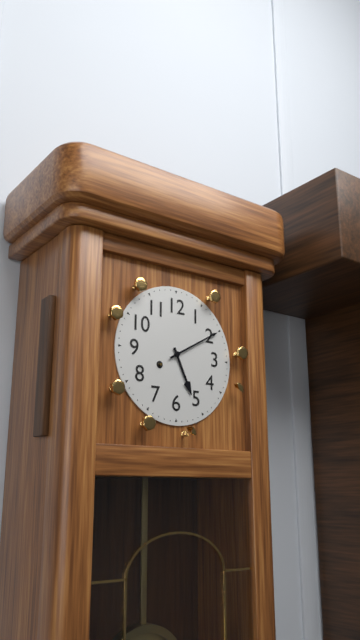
5:10
